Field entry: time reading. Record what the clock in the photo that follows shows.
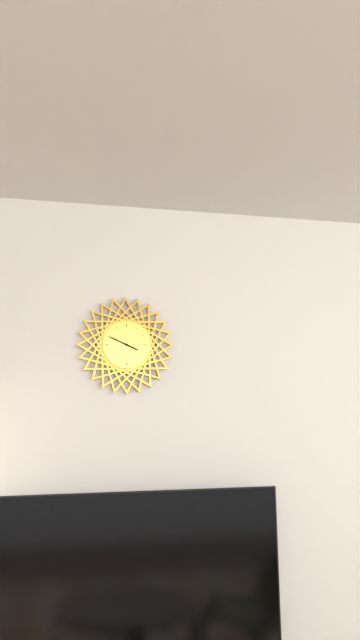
3:49
